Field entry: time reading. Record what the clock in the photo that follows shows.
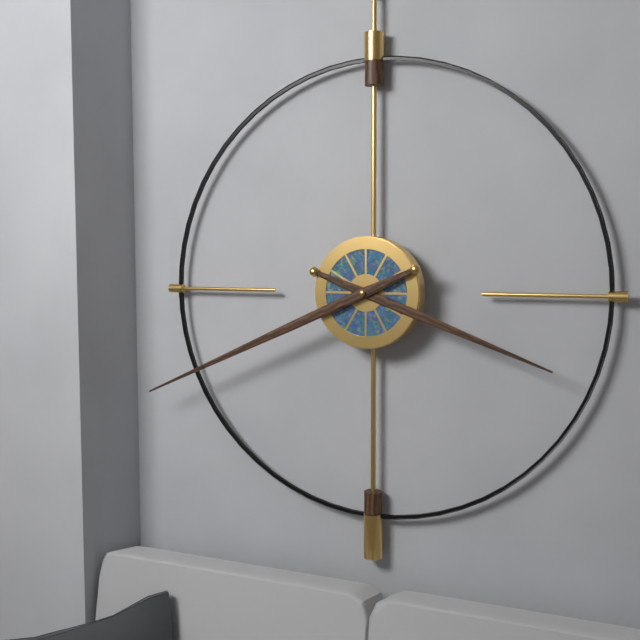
3:41
